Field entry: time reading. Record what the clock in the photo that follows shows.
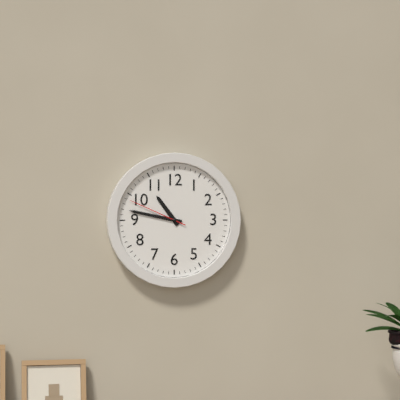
10:47:49
